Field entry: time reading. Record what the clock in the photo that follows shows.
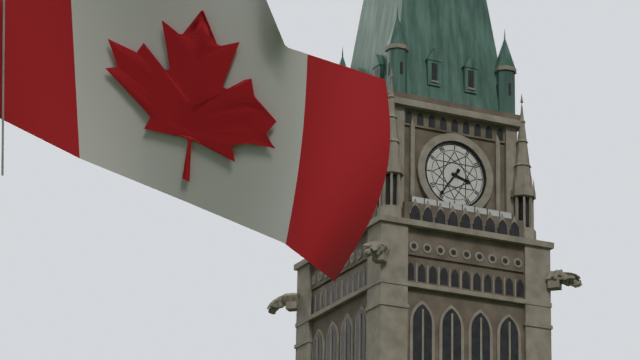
3:36
